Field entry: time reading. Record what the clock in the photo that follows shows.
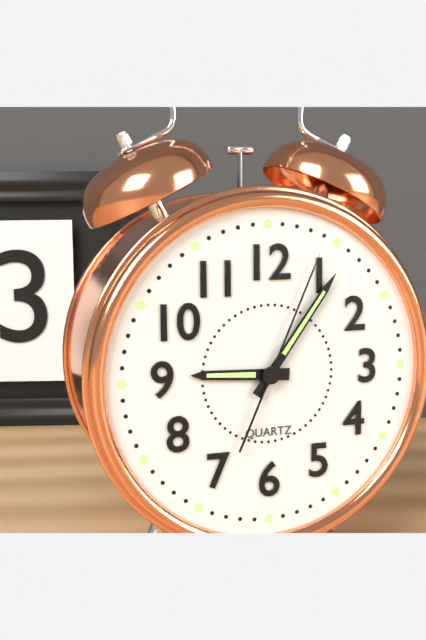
9:06:04
